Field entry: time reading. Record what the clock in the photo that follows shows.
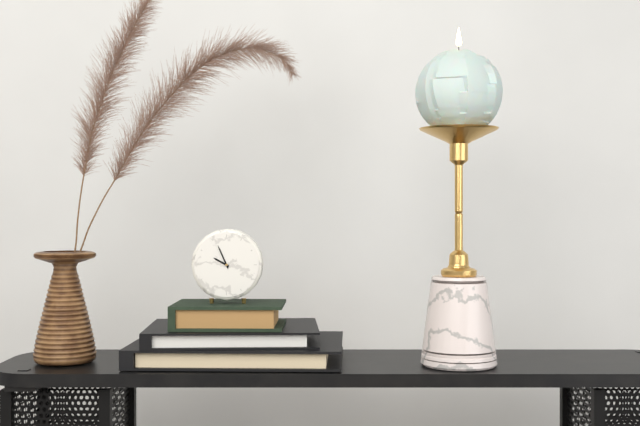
9:56
